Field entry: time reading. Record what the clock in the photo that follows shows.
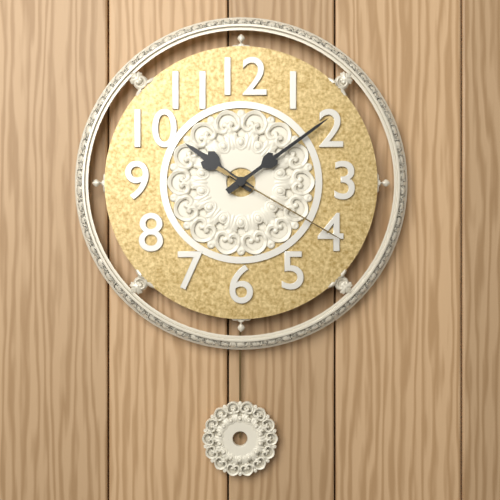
10:09:20
